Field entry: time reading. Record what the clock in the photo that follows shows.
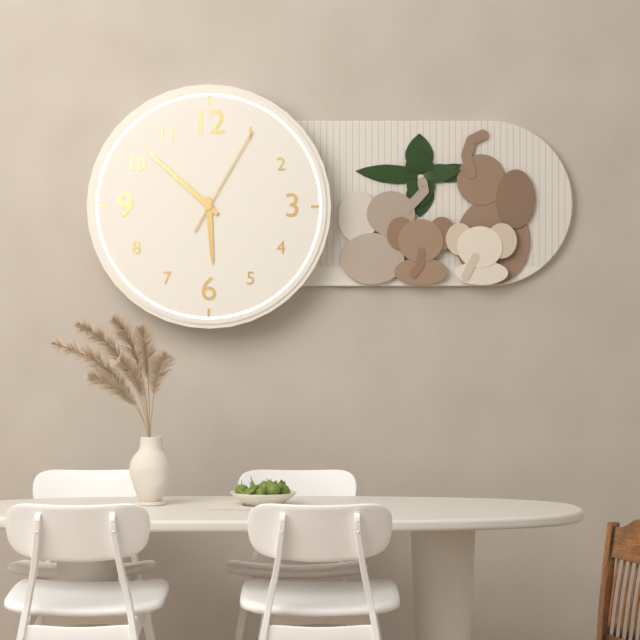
5:52:05
